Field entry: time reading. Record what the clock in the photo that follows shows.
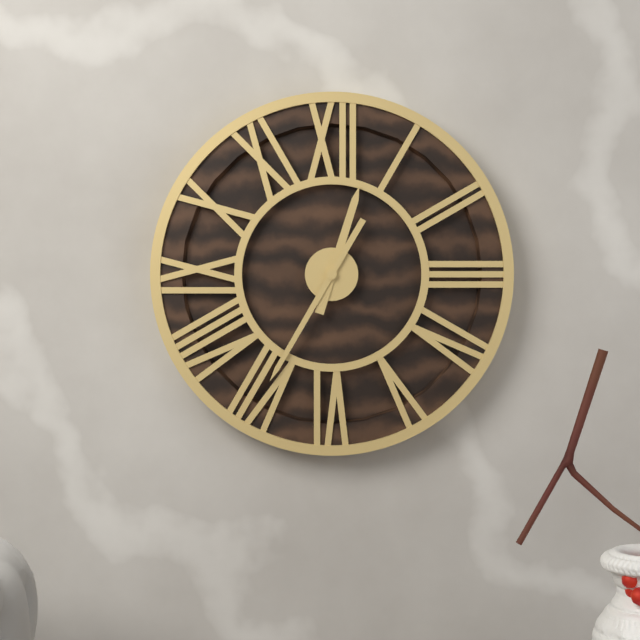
12:35
